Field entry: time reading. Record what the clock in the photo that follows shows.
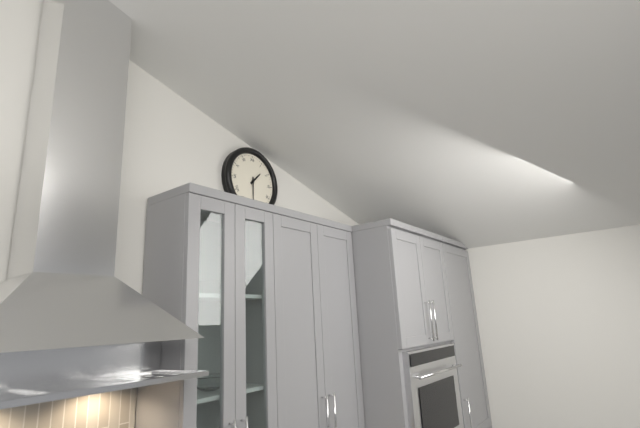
1:30
